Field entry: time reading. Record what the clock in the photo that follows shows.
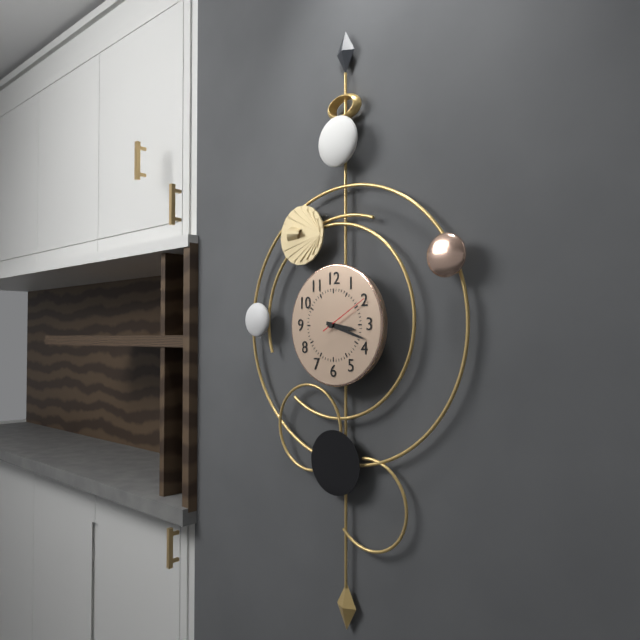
3:18:10
